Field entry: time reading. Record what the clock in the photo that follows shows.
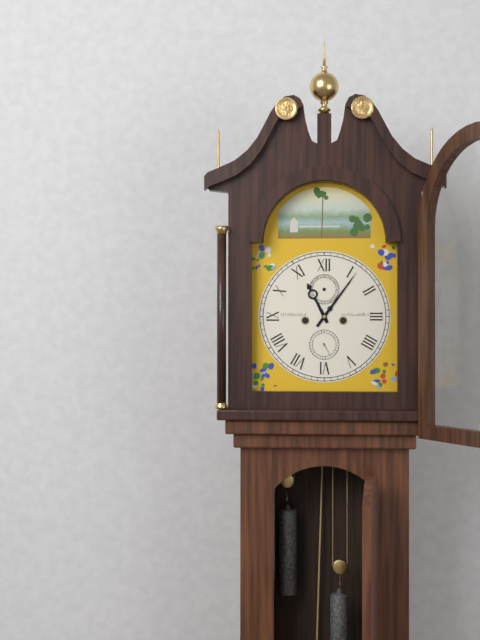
11:06
